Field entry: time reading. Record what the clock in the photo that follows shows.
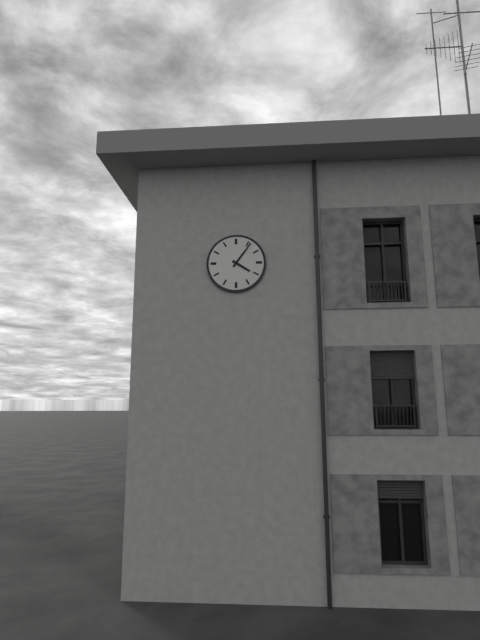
4:06
